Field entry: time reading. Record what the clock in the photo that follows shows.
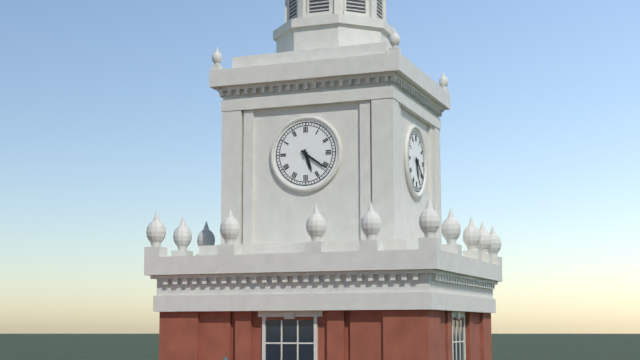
5:21
